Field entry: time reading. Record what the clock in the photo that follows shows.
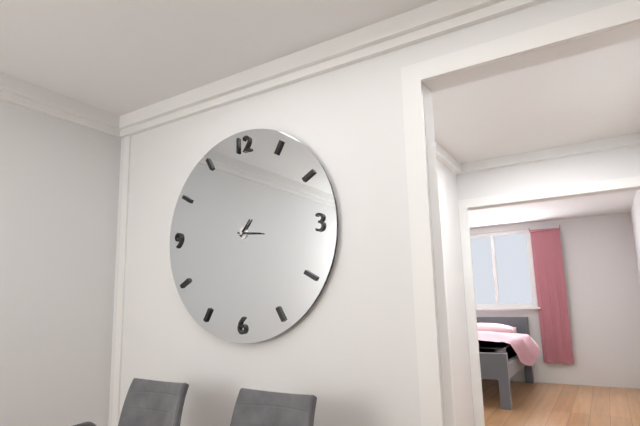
1:16
